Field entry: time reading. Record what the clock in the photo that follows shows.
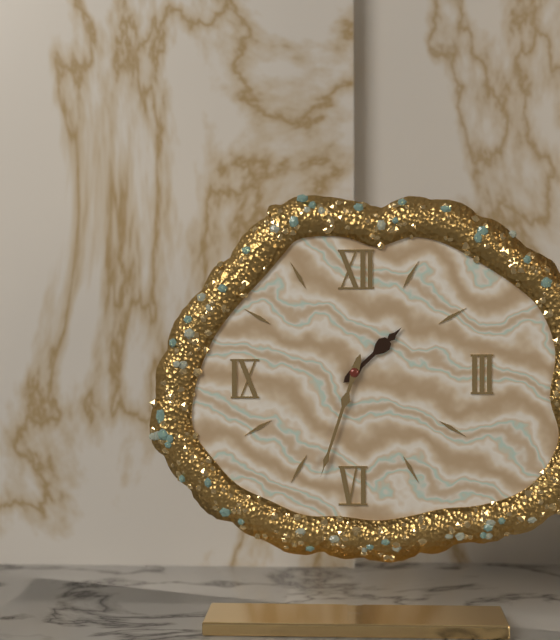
1:33
